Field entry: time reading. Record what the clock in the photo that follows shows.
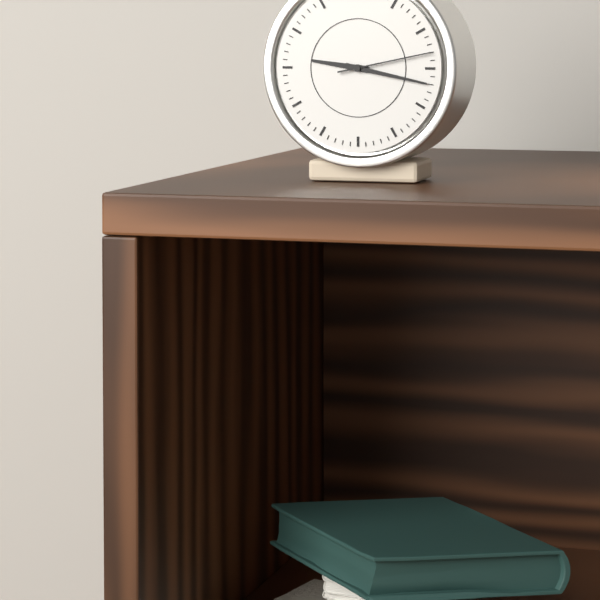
9:17:13
